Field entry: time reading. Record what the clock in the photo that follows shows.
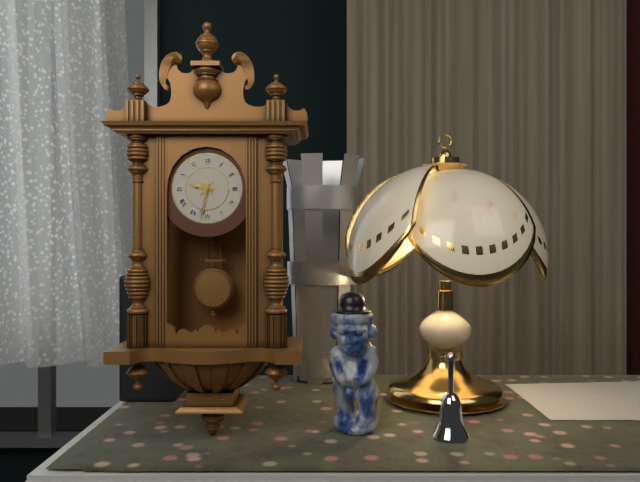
9:32
